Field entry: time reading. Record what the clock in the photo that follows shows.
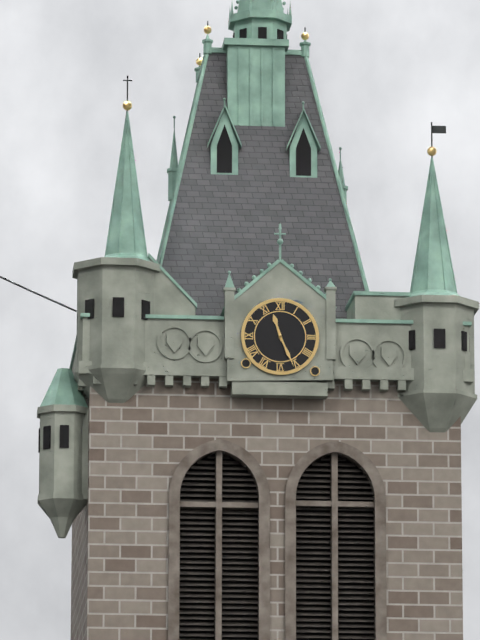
11:26
